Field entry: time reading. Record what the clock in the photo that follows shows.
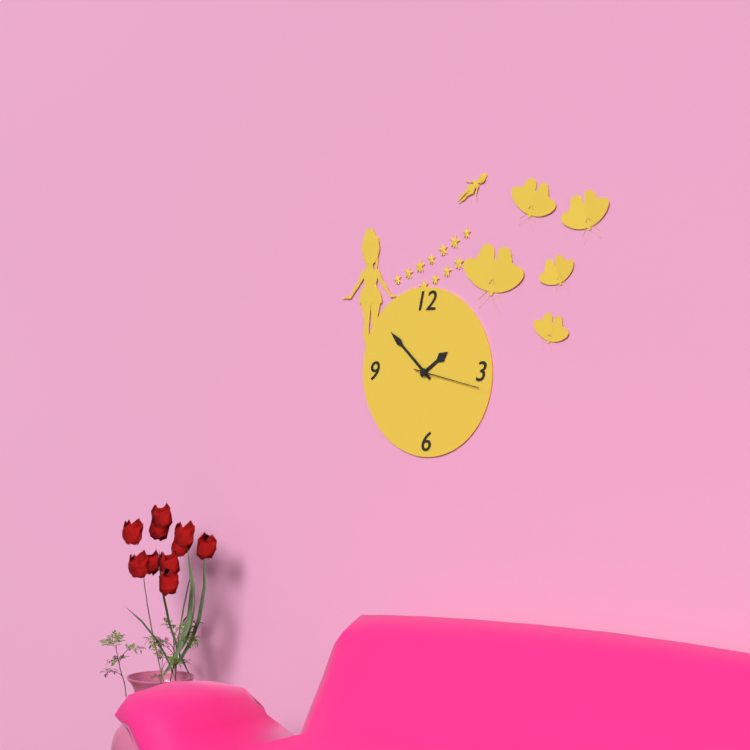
1:52:17
